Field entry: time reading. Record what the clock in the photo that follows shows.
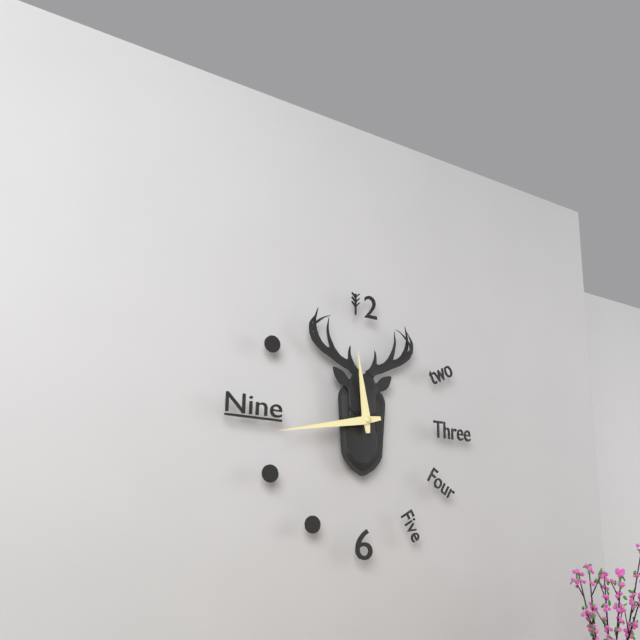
11:43
